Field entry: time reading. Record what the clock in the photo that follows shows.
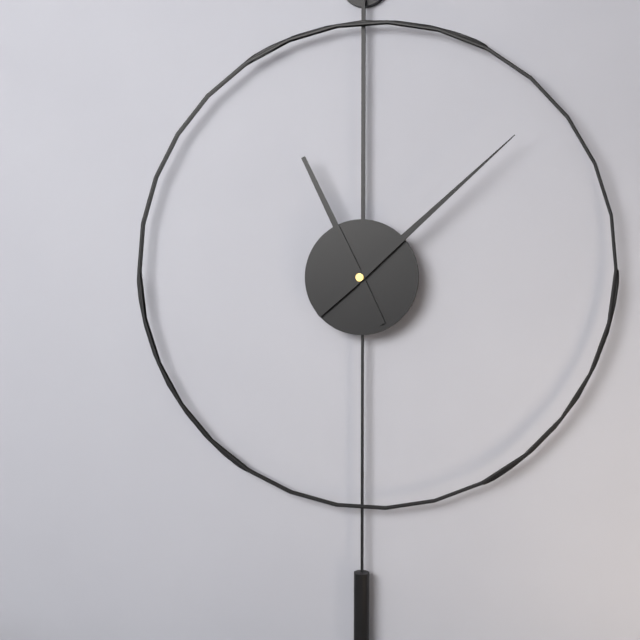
11:08
